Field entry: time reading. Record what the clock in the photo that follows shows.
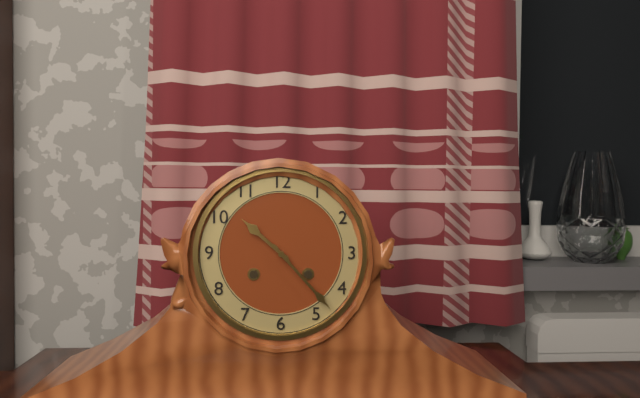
10:23
